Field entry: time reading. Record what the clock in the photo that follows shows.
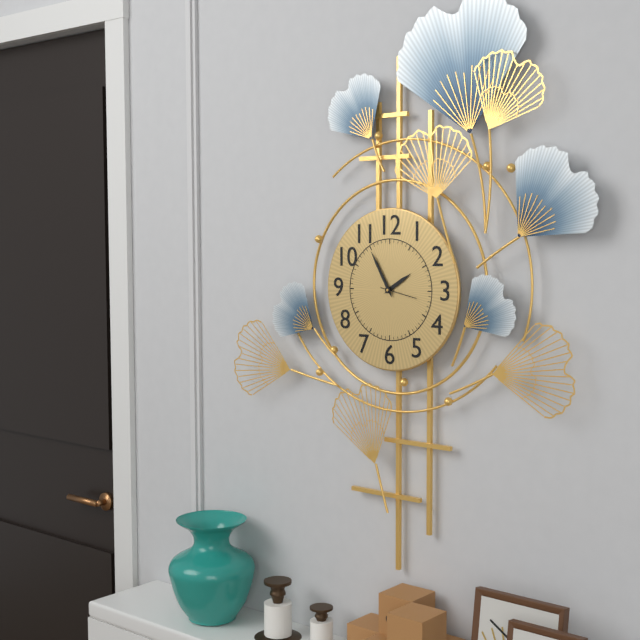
1:55
